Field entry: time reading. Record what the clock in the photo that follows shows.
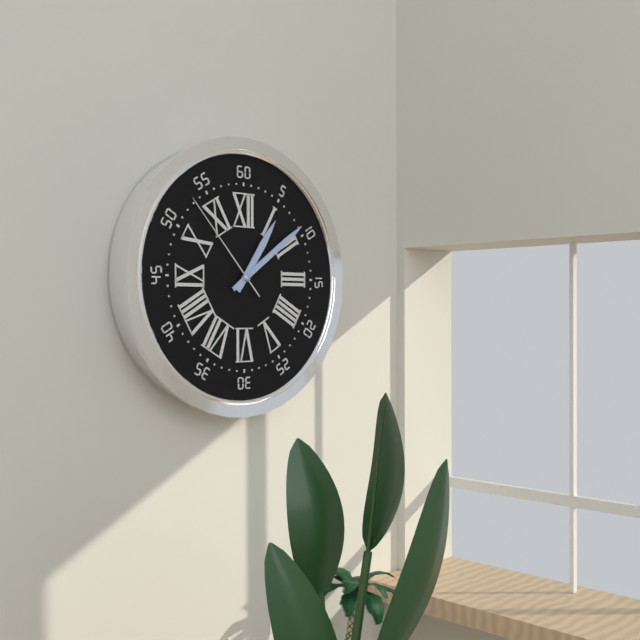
1:09:53
